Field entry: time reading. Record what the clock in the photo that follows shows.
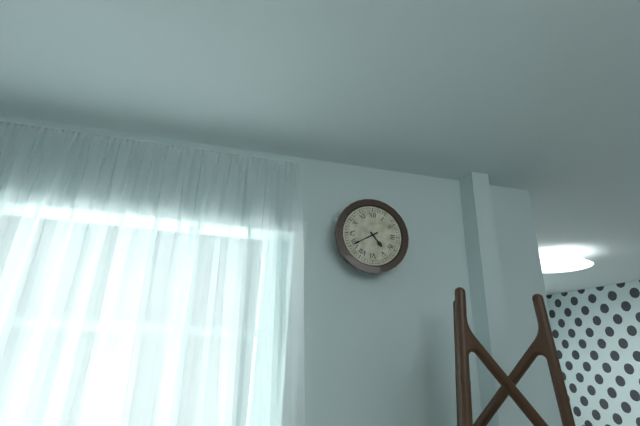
4:40
